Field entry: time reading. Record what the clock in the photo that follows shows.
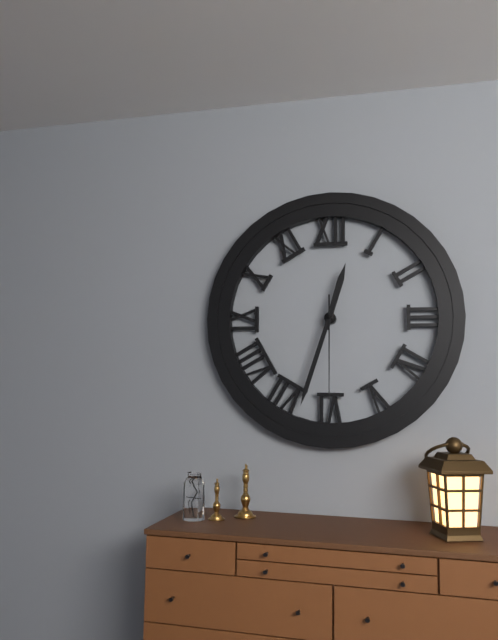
12:33:30
